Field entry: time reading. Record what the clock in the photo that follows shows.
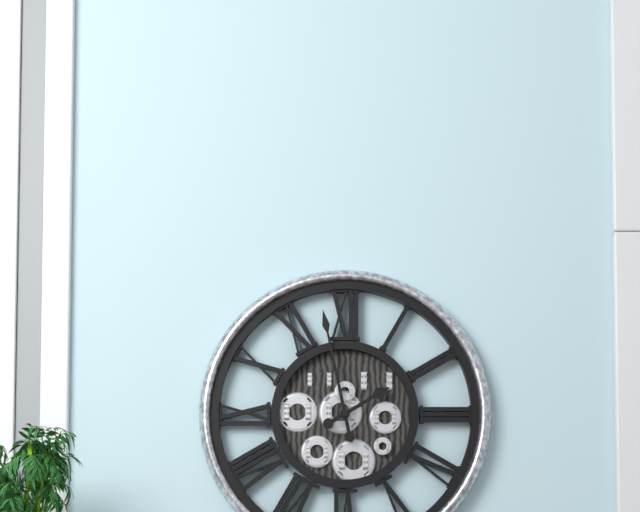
1:58
